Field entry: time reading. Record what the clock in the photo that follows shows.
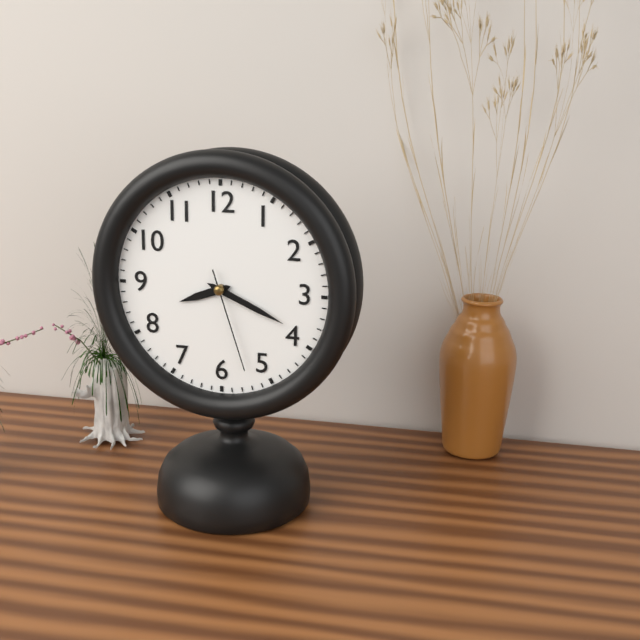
8:19:27
